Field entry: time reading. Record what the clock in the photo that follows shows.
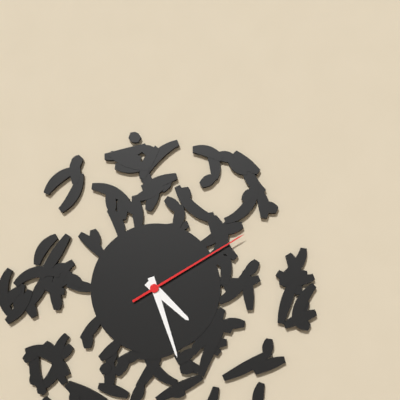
4:27:10
